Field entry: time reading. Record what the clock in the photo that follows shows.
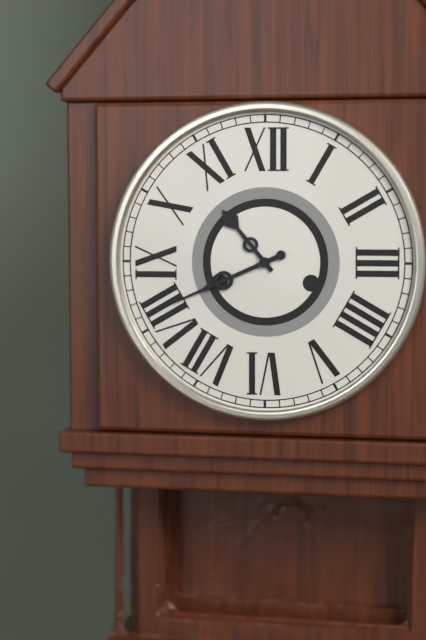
10:41
